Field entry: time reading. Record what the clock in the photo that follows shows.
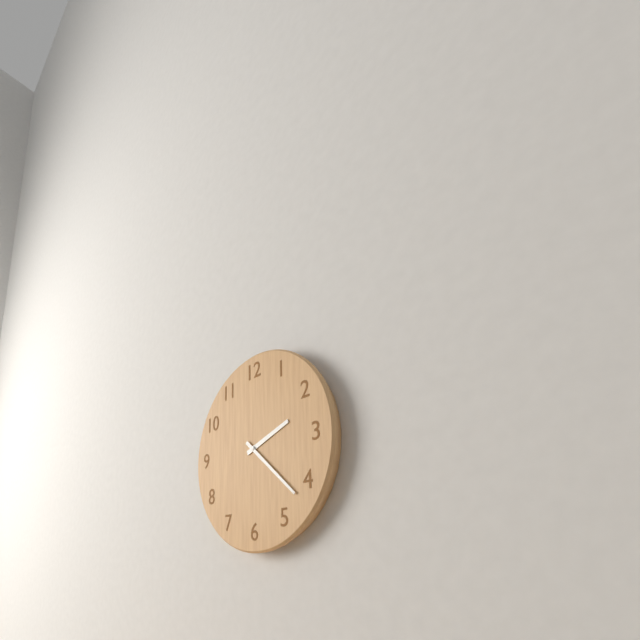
2:22
